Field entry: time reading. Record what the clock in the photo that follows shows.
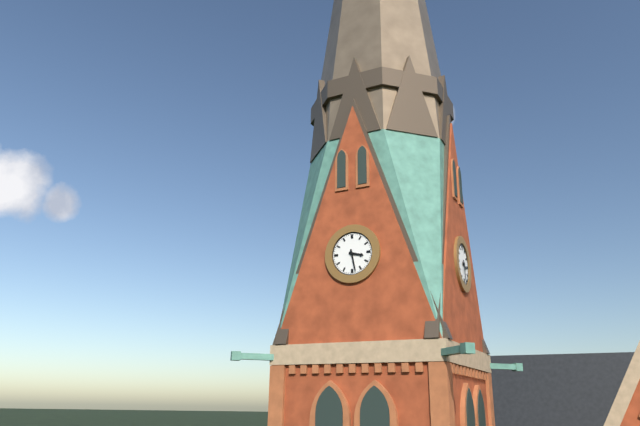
3:28
